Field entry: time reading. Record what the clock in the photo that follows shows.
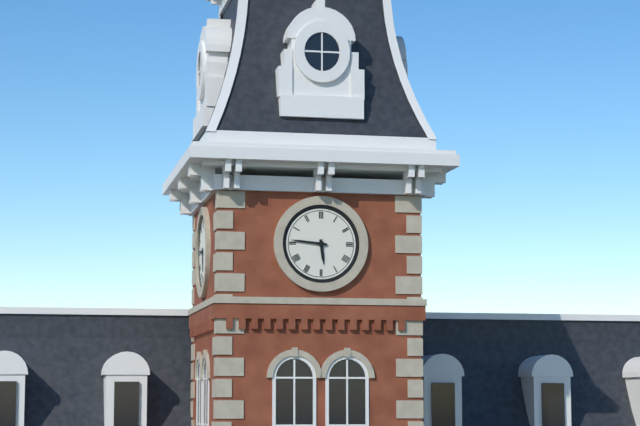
5:46
